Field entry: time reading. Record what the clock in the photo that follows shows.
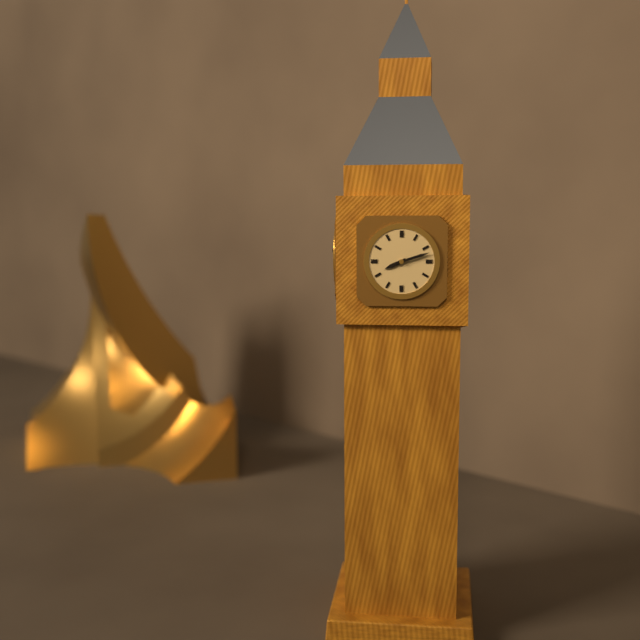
8:12
